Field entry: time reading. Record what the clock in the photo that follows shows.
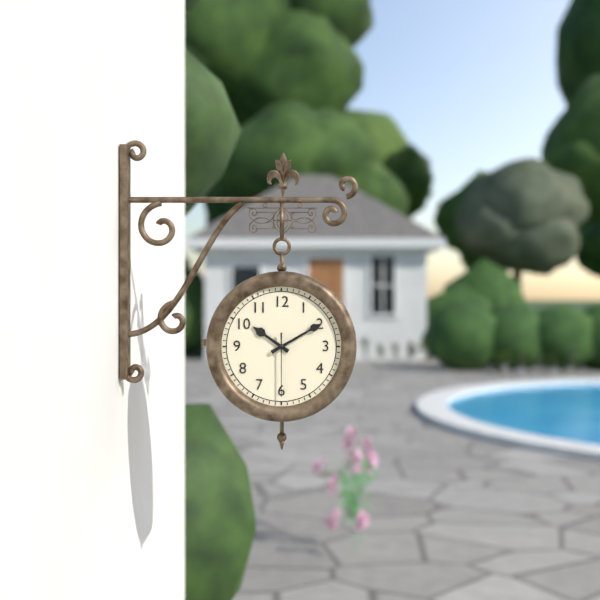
10:10:30
